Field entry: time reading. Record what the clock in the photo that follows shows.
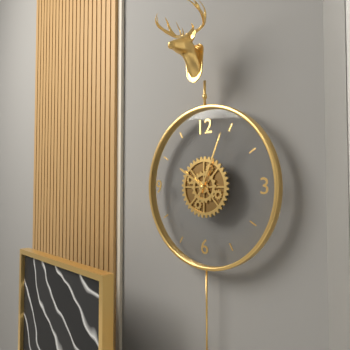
10:04
